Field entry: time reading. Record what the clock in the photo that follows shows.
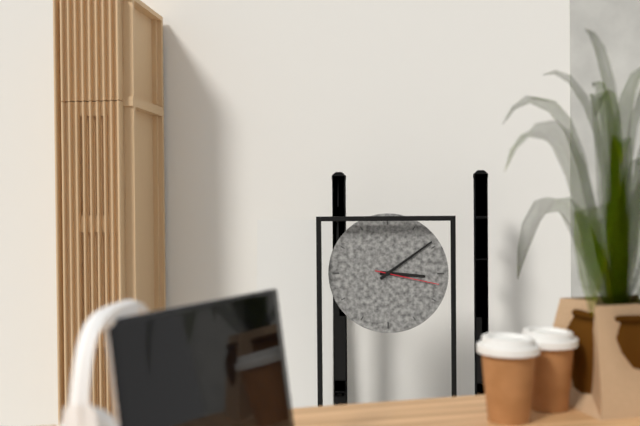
3:09:17
